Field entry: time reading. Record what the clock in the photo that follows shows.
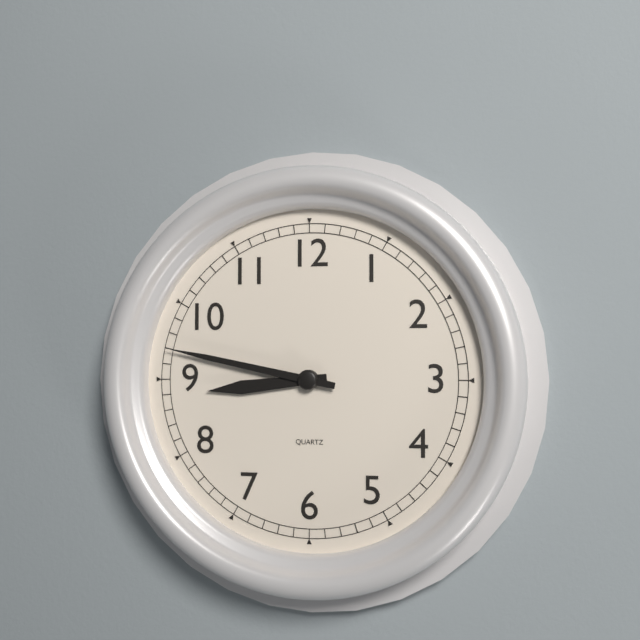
8:47
